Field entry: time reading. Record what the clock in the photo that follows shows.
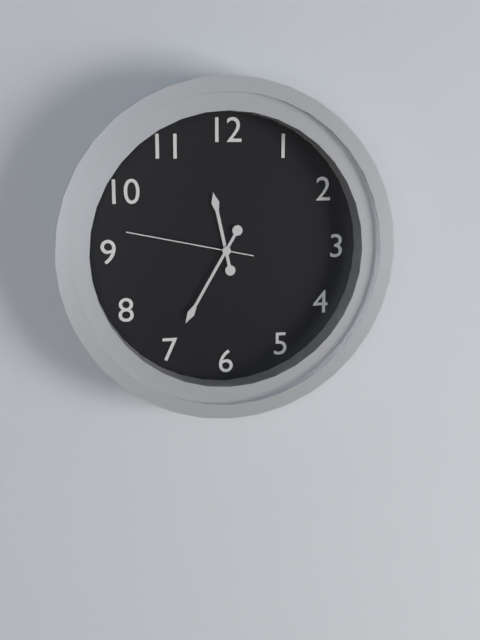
11:35:47
